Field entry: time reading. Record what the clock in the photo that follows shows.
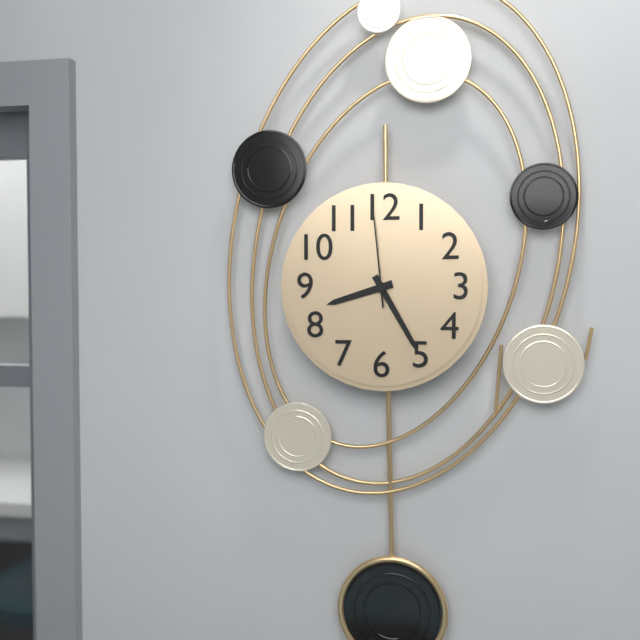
8:25:59
